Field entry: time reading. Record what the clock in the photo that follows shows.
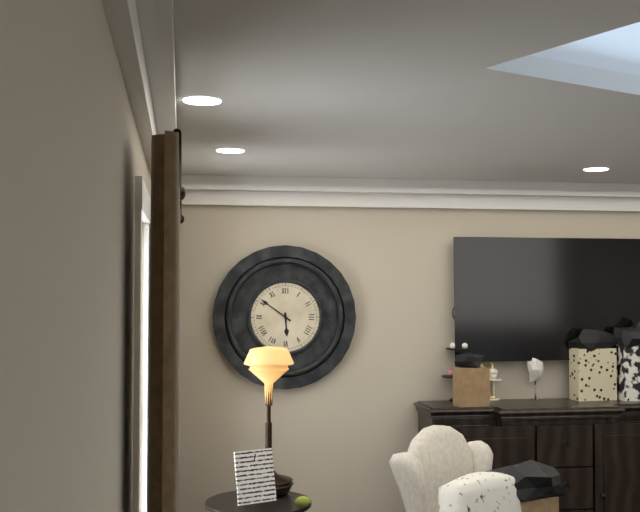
5:51
